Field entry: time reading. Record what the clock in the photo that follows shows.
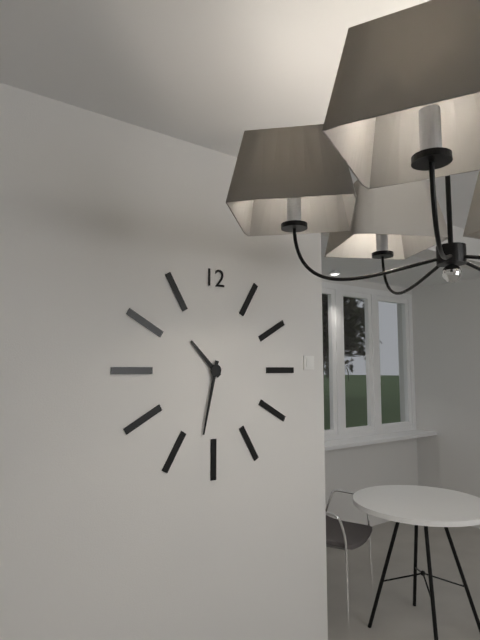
10:32
